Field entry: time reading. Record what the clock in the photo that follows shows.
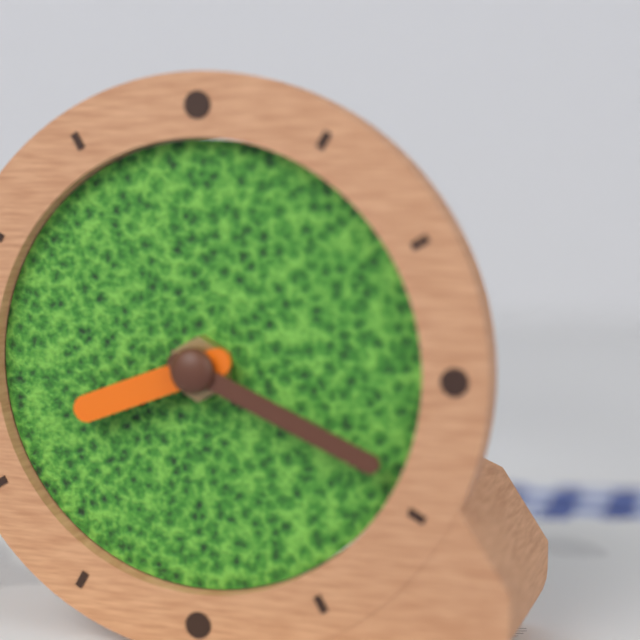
8:19
